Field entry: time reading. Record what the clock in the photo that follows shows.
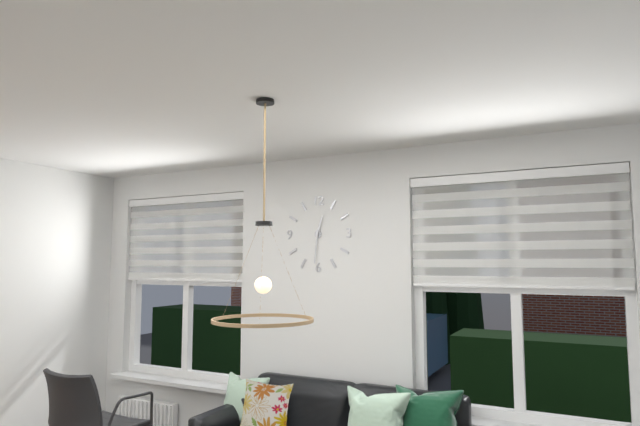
12:31
